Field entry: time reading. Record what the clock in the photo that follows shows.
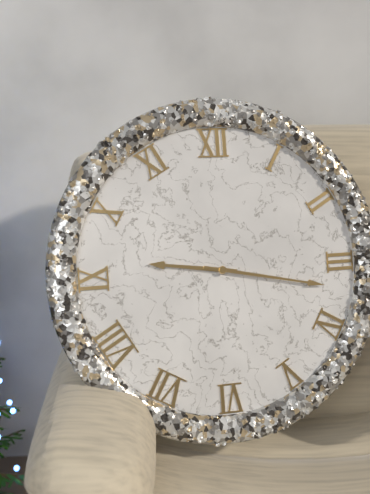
9:17
